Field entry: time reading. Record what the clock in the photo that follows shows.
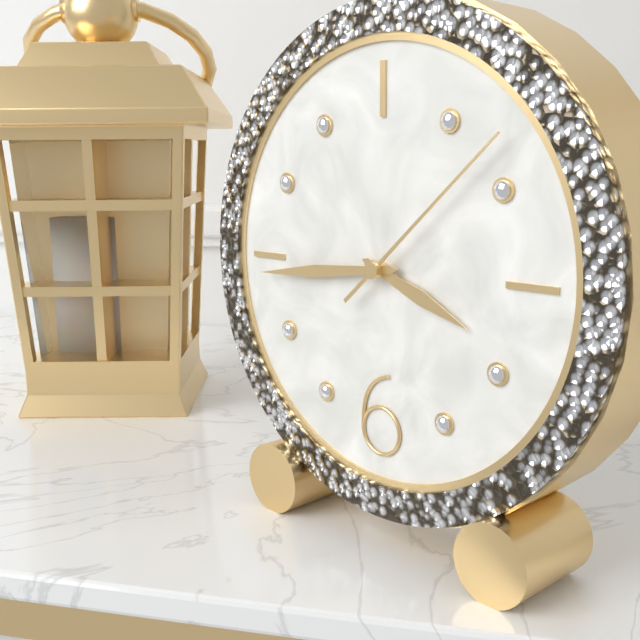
3:44:08
